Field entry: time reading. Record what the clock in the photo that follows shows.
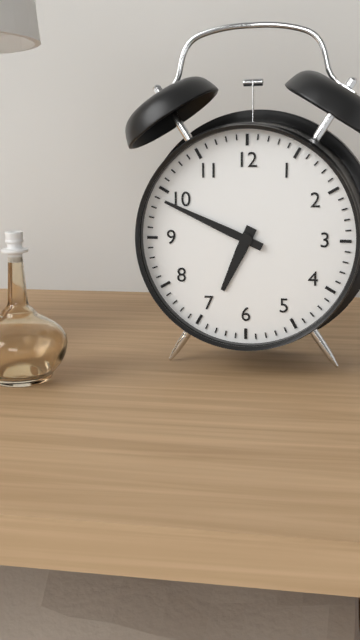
6:49
